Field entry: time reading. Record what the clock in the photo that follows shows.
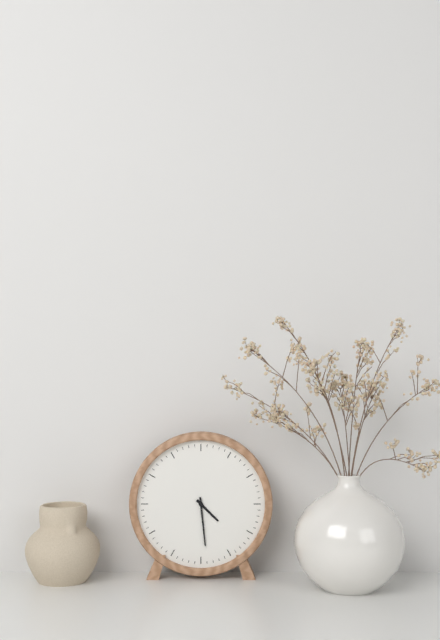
4:29
